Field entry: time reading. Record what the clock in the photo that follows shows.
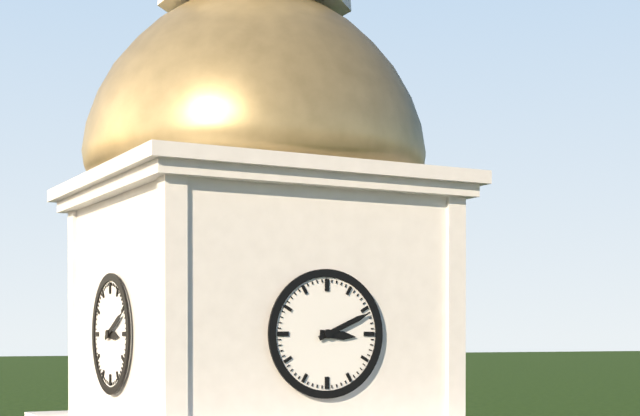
3:11
